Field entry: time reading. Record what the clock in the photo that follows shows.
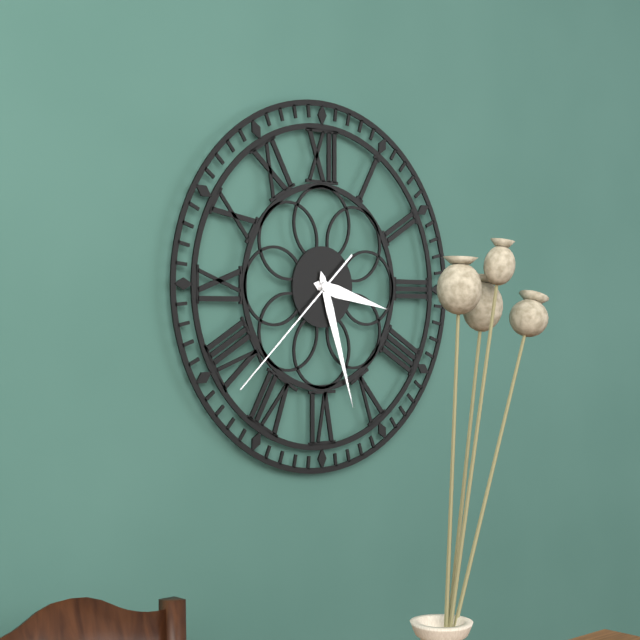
3:27:38
